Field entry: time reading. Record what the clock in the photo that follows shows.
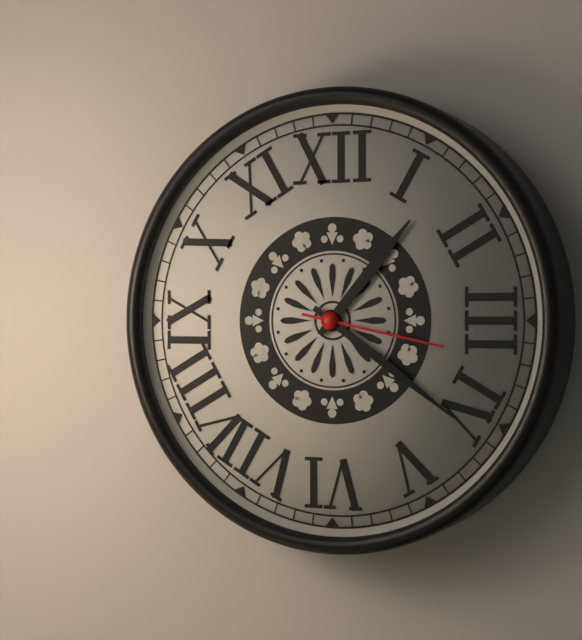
1:21:17
